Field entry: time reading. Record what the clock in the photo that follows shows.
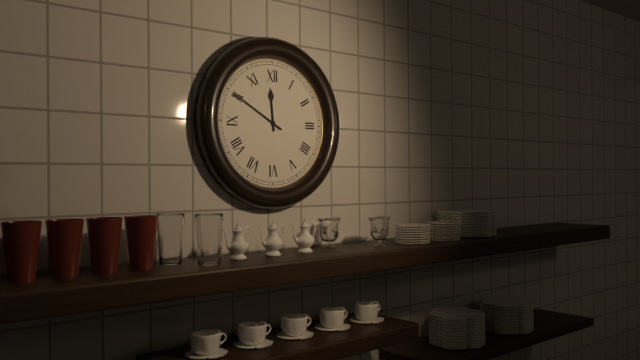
11:50
